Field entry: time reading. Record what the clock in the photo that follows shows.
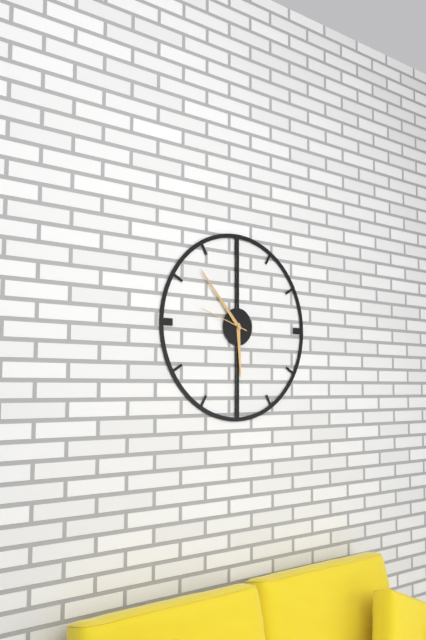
5:53:48
